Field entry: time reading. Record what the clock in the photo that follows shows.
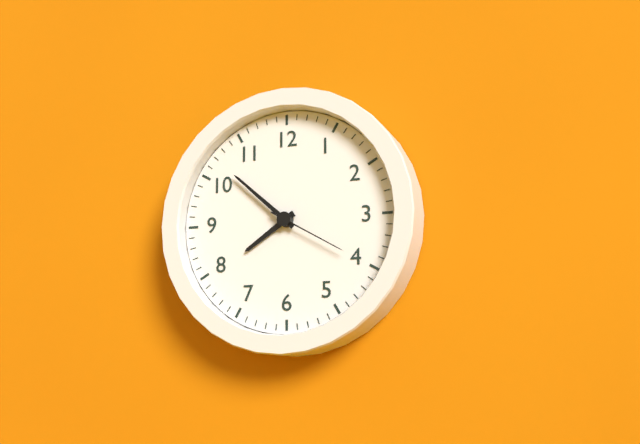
7:52:20
